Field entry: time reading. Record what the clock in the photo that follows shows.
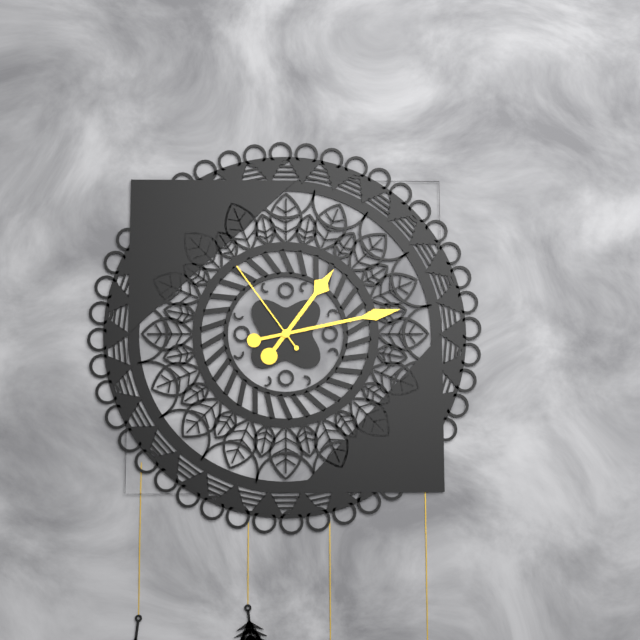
1:13:54
